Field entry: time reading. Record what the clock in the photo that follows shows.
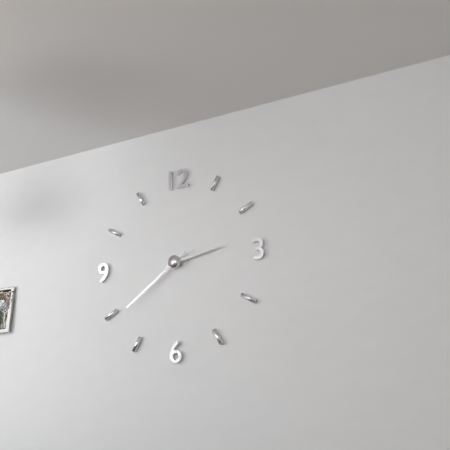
2:39
